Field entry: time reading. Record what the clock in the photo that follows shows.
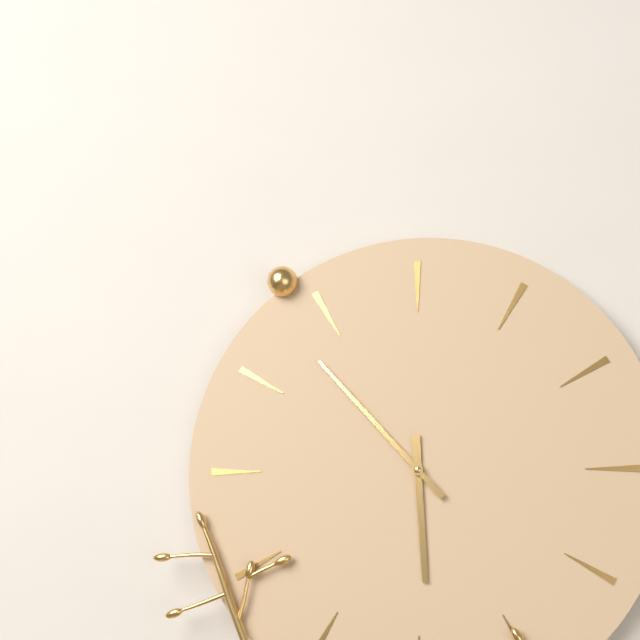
5:53
